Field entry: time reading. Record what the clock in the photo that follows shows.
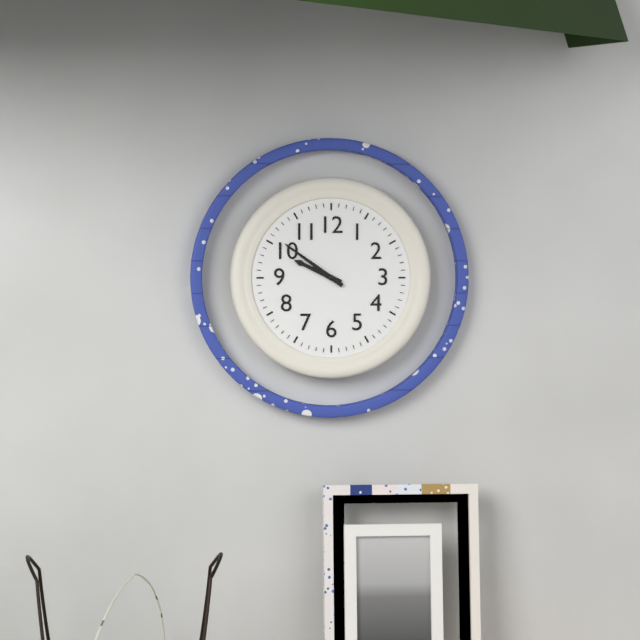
9:51
